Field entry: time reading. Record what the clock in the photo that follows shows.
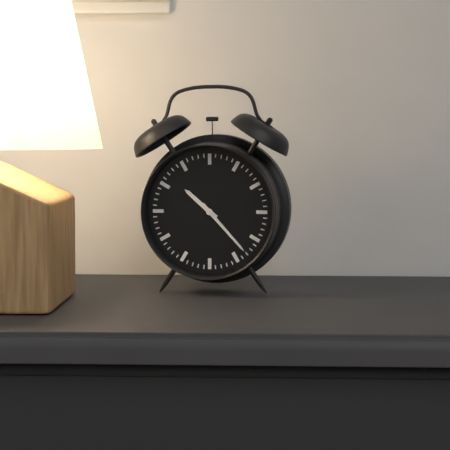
10:23
